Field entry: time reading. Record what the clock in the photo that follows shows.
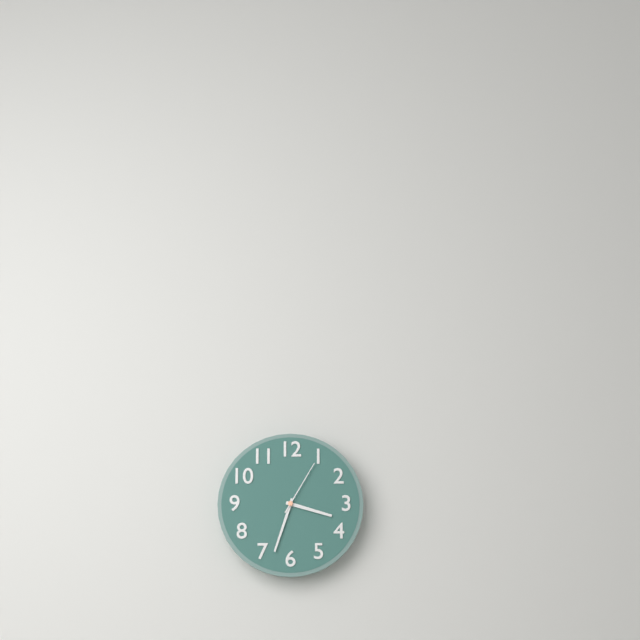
3:33:05
